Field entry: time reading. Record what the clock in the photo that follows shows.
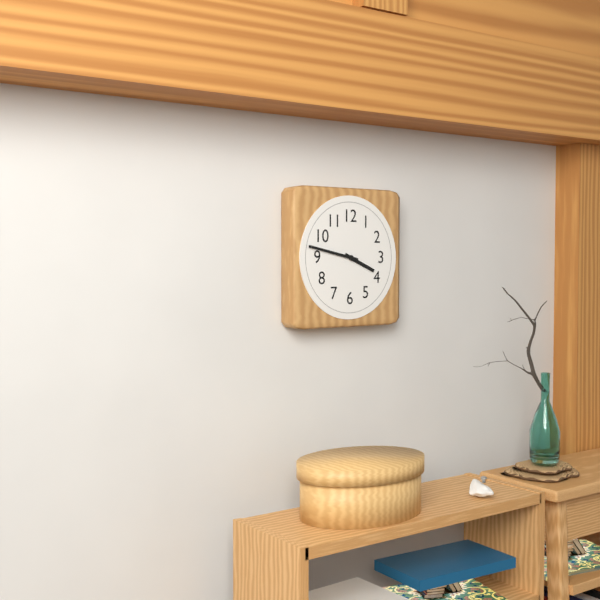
3:47
